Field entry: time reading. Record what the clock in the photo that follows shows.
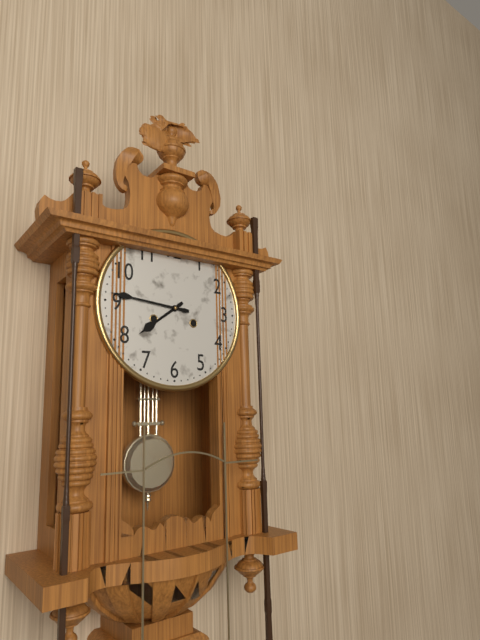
7:46
